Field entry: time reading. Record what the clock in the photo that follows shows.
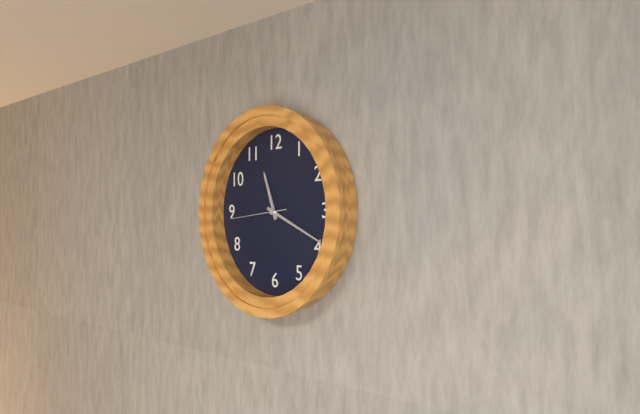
11:19:44
